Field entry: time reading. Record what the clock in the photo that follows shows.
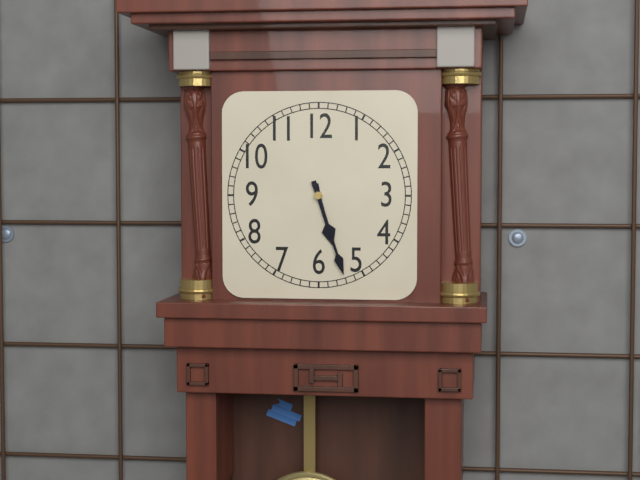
5:27
